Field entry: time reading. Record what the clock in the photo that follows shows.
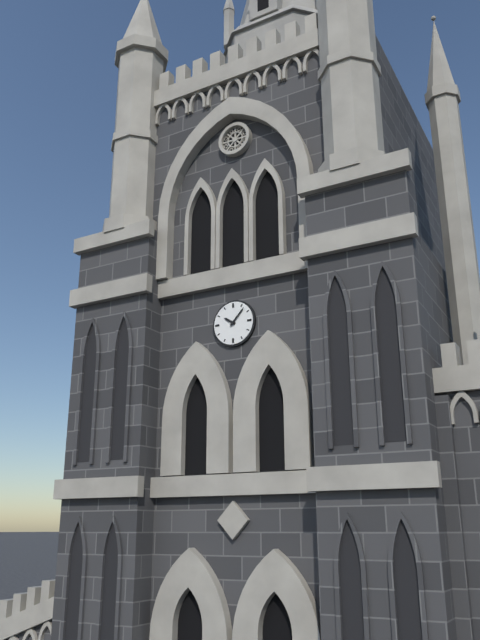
10:07
